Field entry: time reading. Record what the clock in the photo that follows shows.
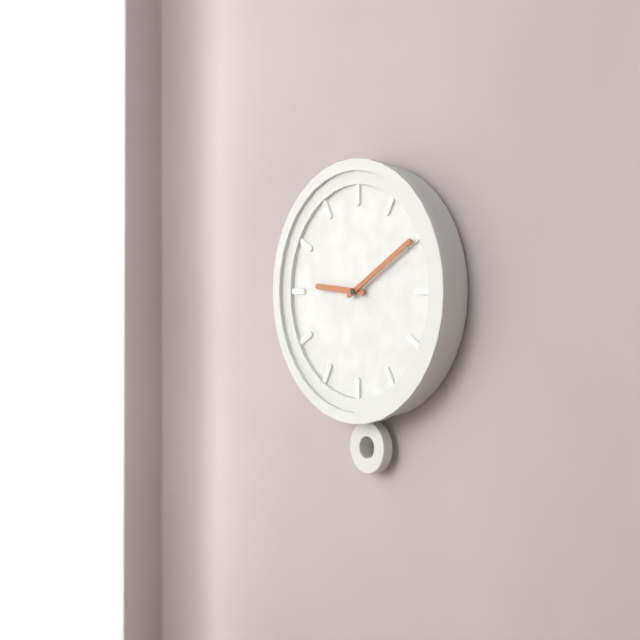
9:10
